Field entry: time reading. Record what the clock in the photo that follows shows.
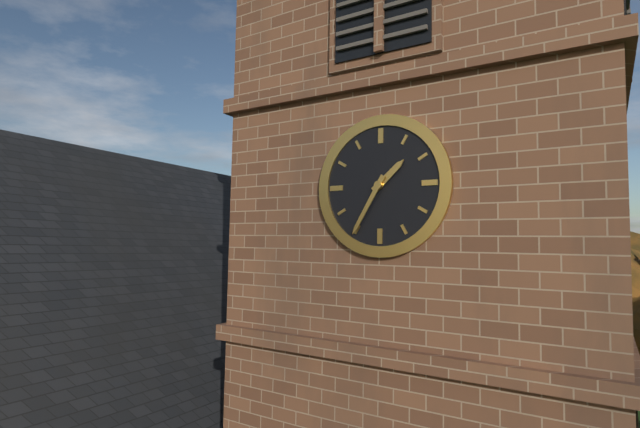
1:35
